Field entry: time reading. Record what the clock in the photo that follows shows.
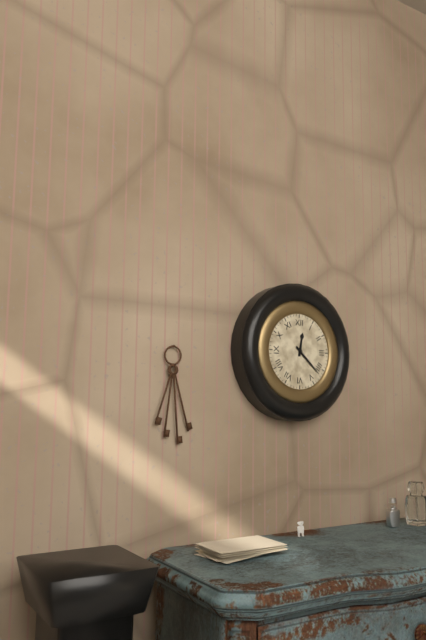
12:22
